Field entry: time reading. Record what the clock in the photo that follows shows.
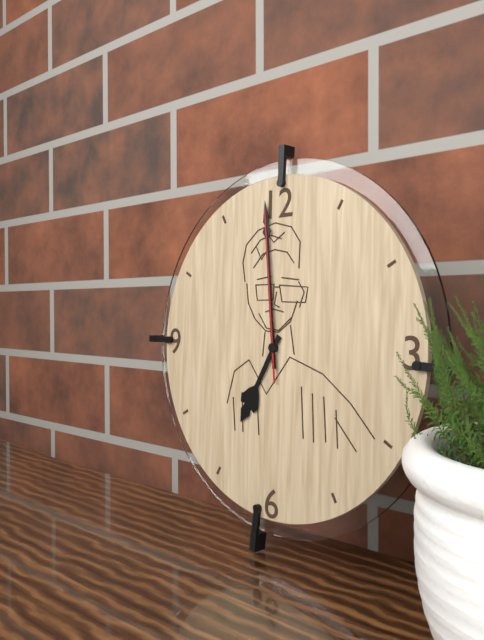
6:59:59
